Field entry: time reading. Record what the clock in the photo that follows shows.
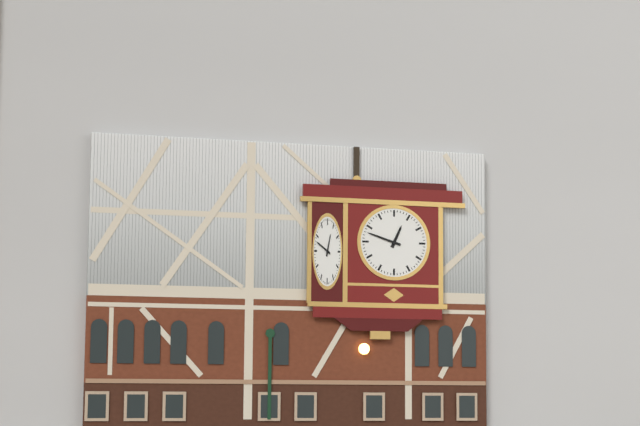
12:48
